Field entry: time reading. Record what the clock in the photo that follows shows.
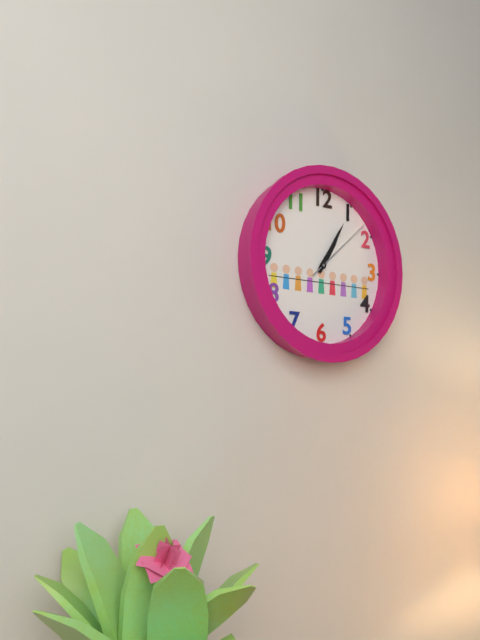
1:05:08
